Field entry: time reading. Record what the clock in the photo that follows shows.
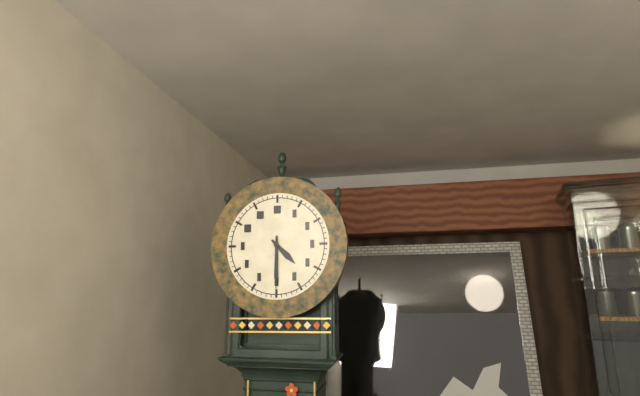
4:30
